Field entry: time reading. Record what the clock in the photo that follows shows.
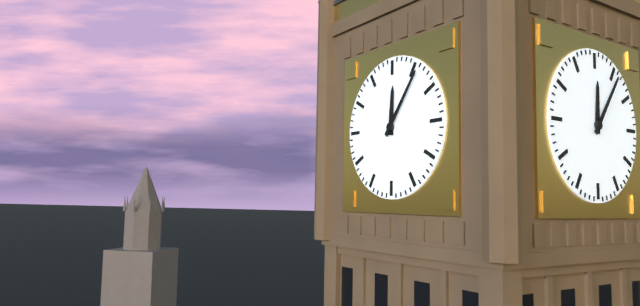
12:06
